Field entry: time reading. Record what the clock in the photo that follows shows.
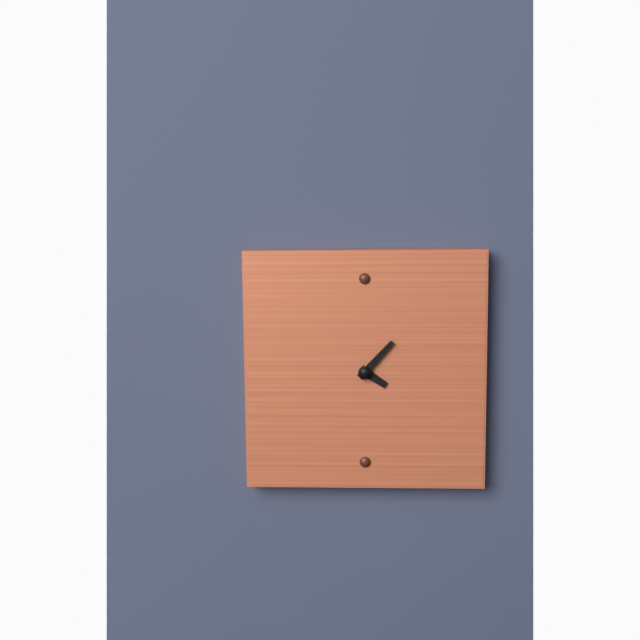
4:07
